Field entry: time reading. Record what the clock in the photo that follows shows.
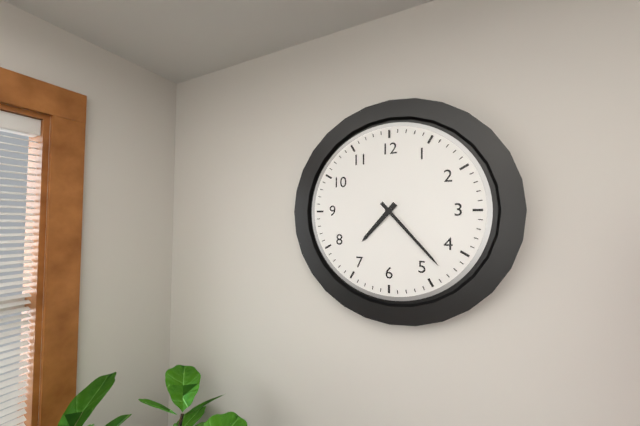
7:23
